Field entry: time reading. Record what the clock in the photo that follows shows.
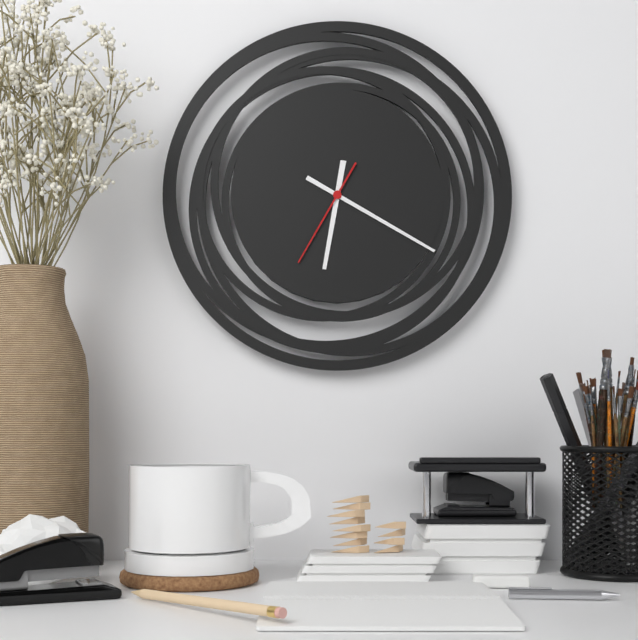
6:20:35
